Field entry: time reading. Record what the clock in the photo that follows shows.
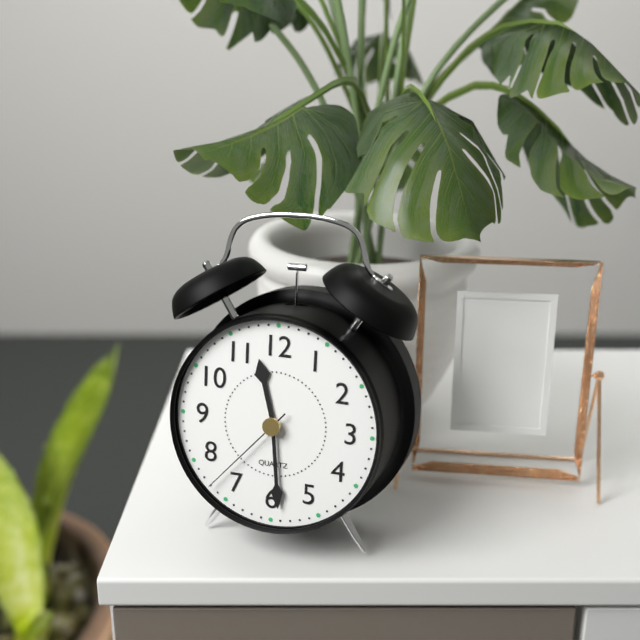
11:29:37
